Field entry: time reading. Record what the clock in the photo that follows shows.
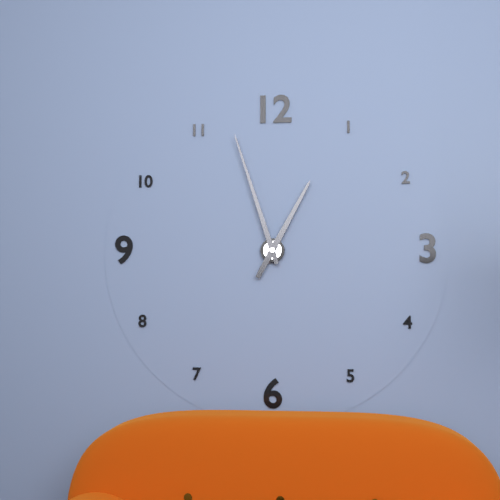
12:57
